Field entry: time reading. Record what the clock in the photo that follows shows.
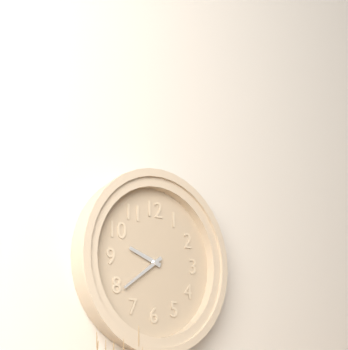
9:39
